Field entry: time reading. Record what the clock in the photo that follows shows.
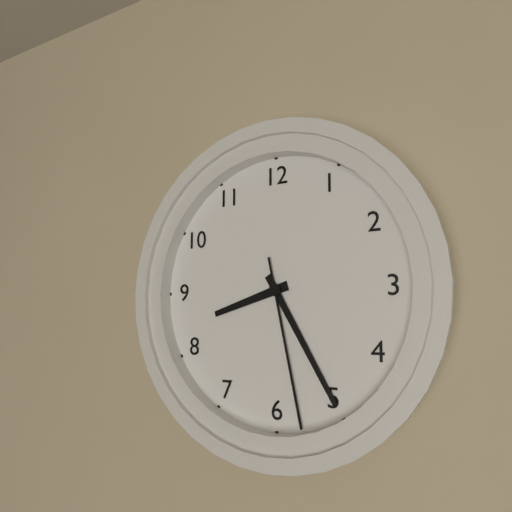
8:25:28
